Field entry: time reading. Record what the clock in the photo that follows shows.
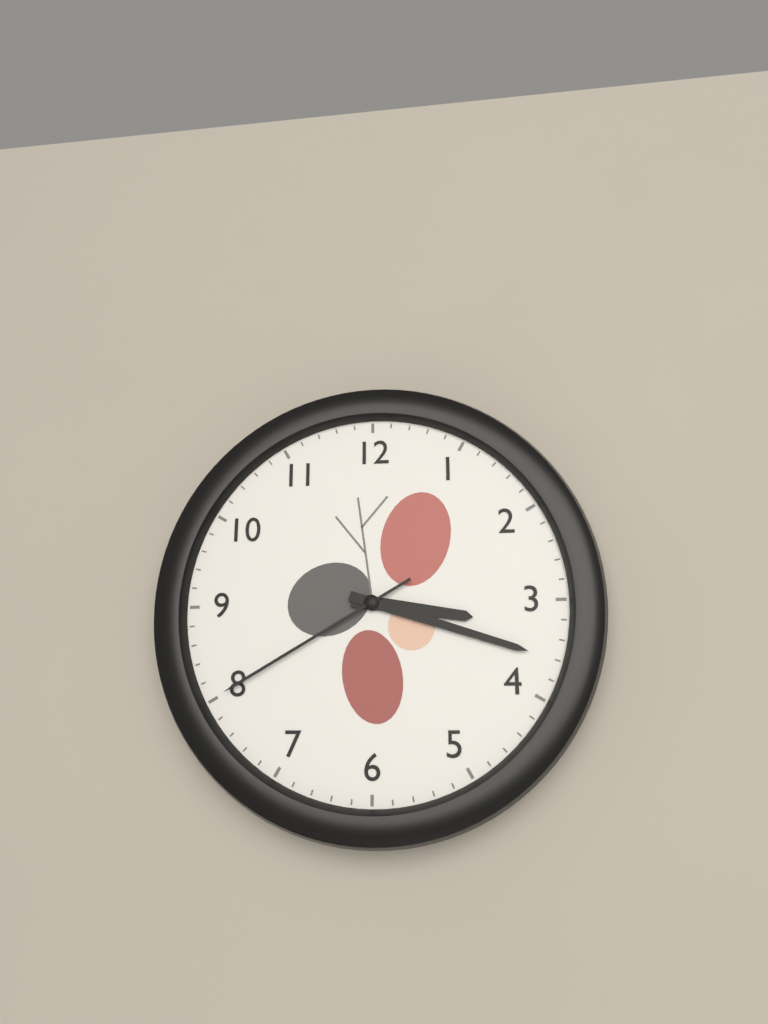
3:18:40
